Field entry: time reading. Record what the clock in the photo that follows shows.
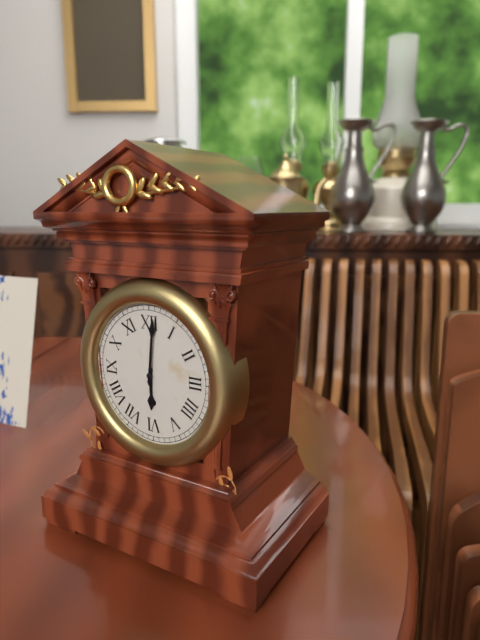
6:01
